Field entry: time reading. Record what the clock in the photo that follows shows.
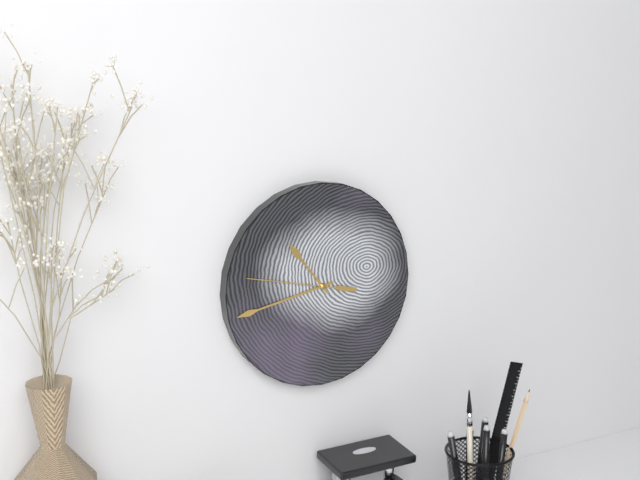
10:43:47
